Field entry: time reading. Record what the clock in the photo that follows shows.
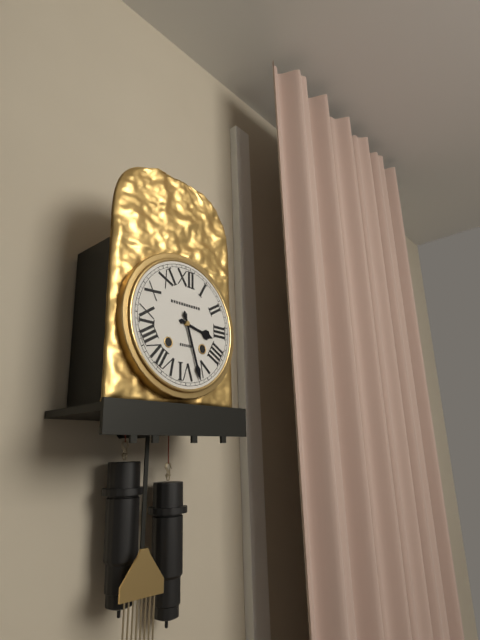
3:27
